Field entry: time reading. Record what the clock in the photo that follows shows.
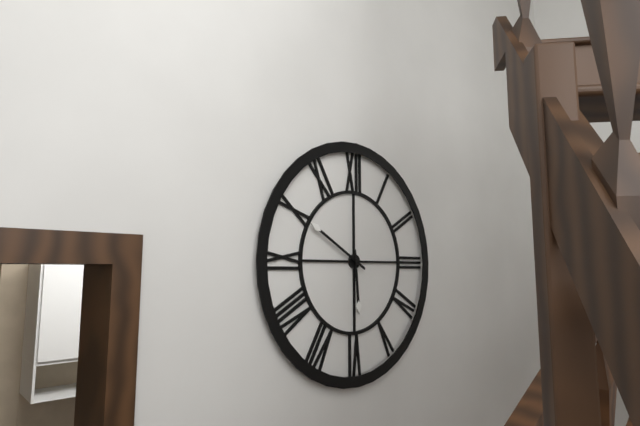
5:50
